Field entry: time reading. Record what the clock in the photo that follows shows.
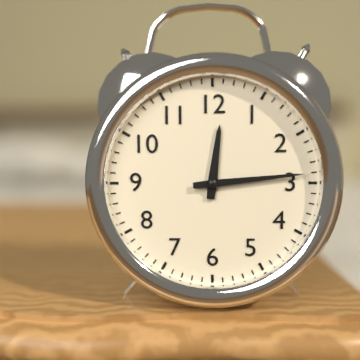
12:14
